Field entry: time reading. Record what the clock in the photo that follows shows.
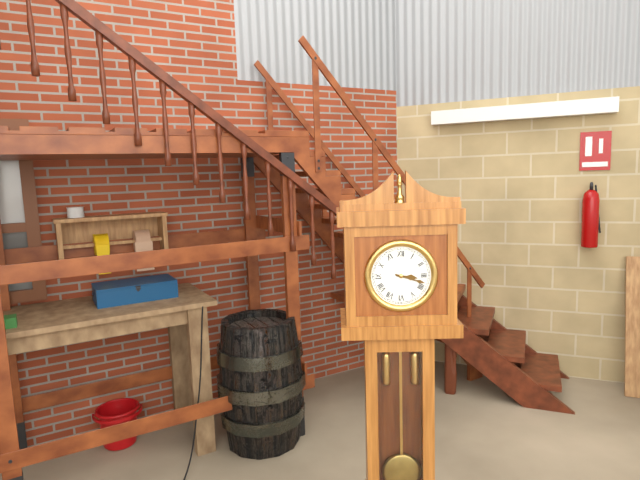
3:18
